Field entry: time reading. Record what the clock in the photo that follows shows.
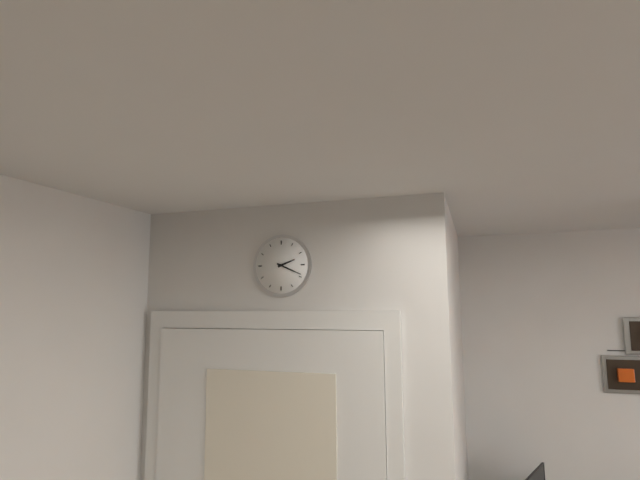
2:19
